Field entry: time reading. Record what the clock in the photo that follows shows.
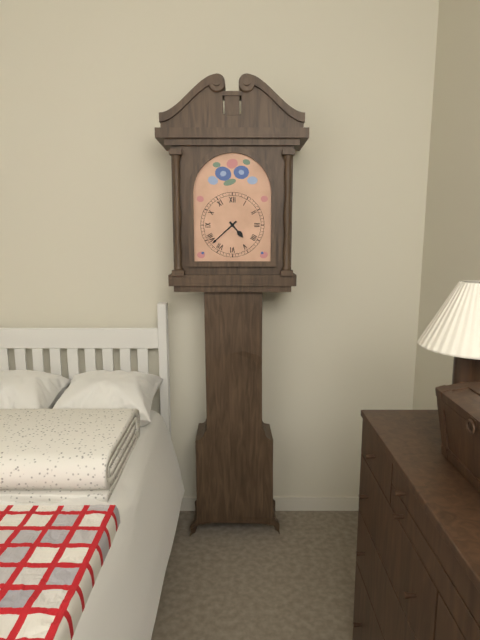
4:38
